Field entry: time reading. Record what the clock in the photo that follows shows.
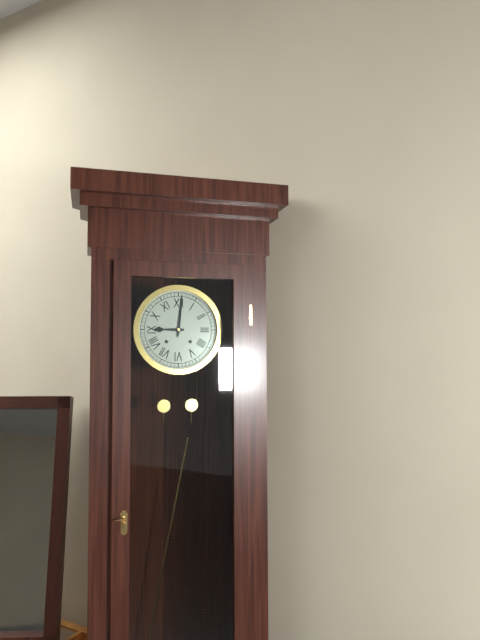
9:01
